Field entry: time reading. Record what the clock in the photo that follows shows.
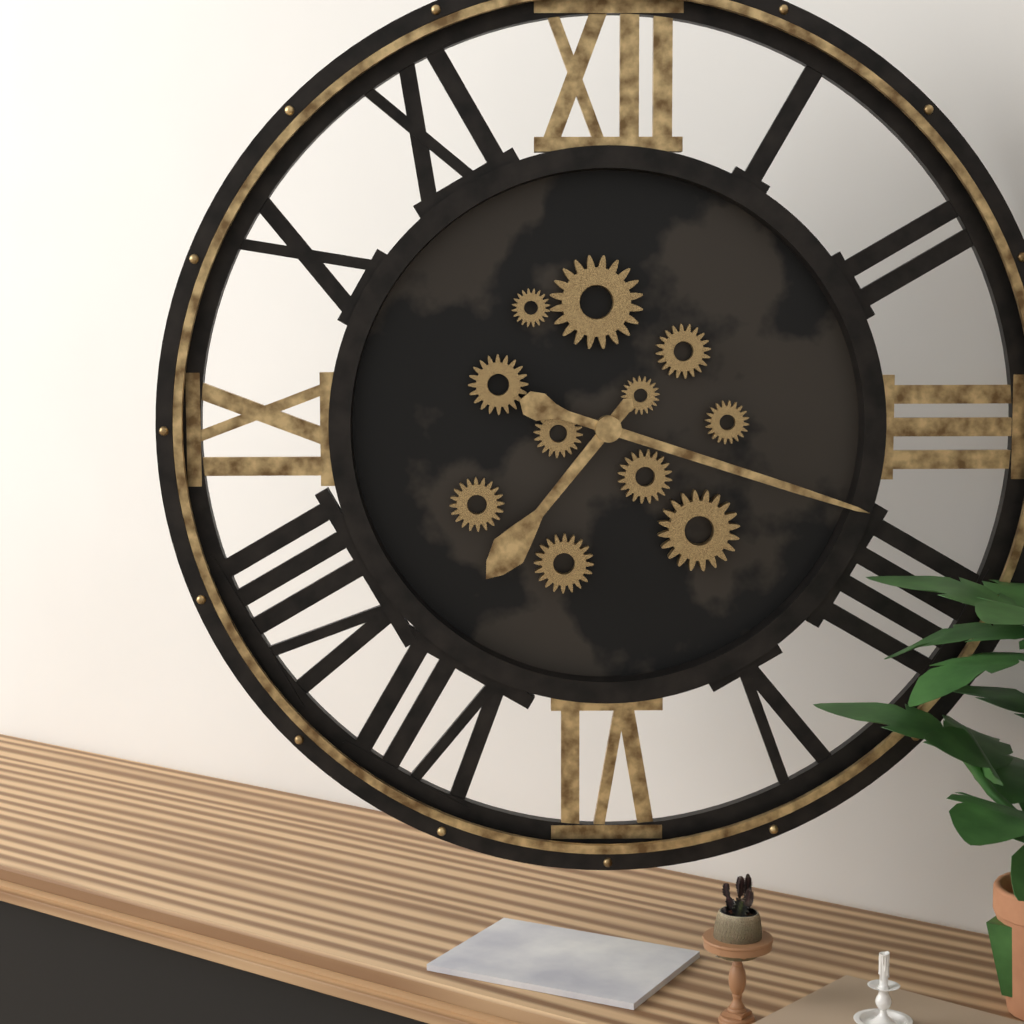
7:18
